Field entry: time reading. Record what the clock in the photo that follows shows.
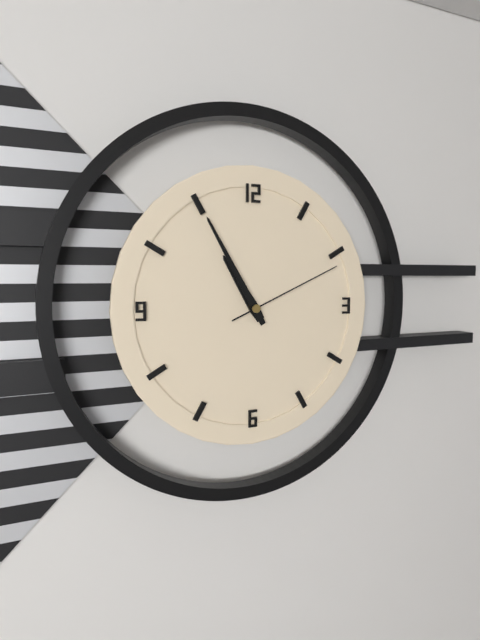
10:55:11
